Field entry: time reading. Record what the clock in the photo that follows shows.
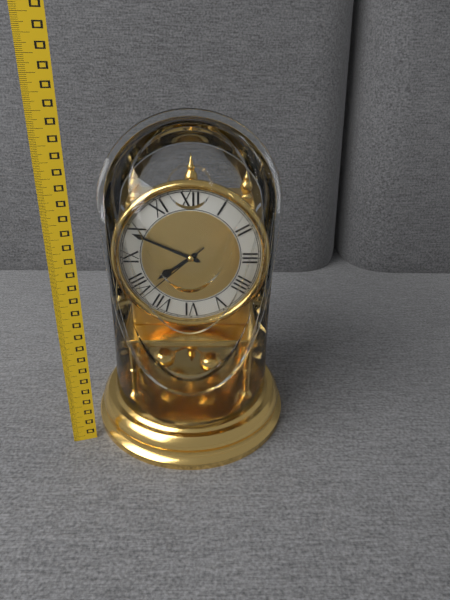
7:49:38
